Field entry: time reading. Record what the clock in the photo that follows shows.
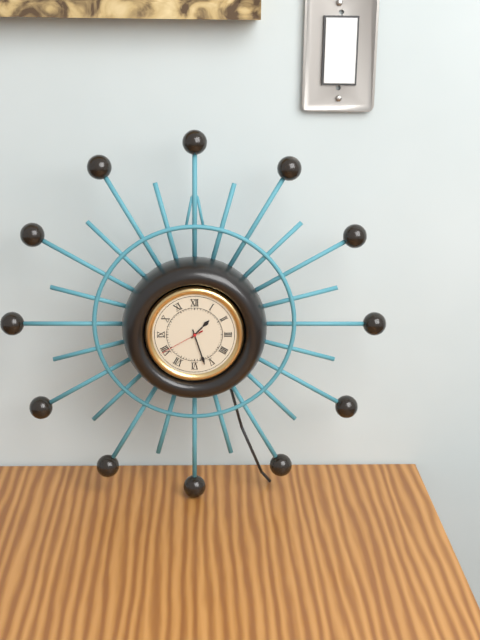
1:27:40
